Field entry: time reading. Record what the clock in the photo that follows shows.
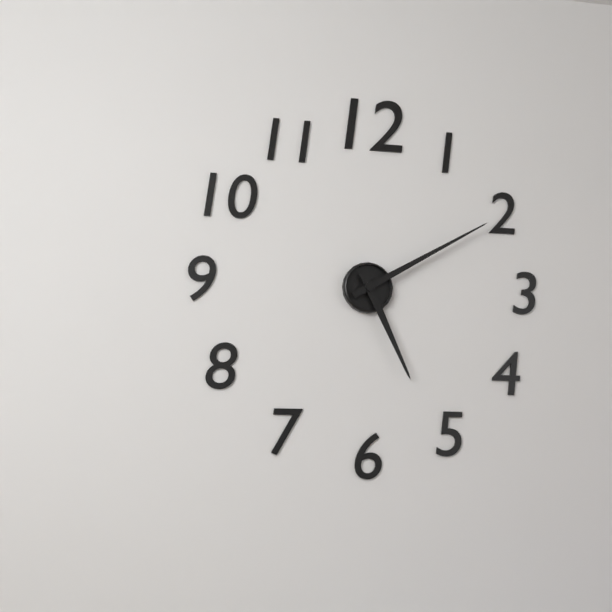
5:10
